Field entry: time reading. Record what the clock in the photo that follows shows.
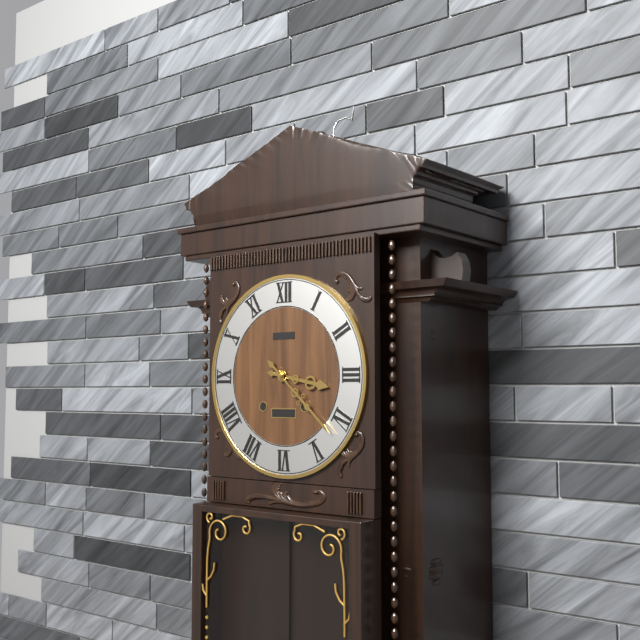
3:22
